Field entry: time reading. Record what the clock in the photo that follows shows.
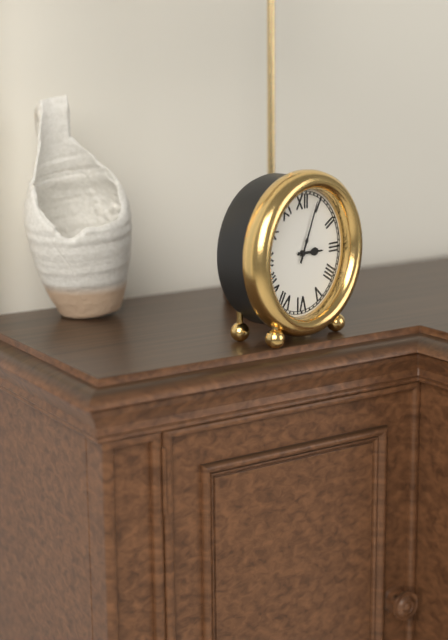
3:04
